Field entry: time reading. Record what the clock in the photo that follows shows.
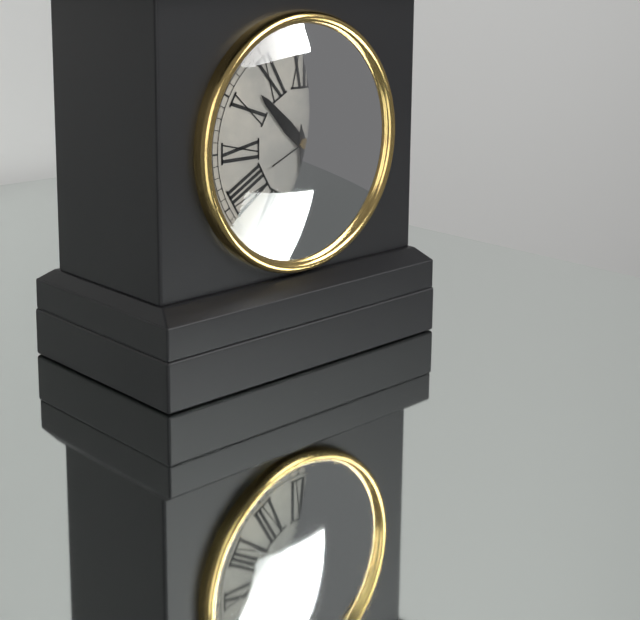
10:29:11
